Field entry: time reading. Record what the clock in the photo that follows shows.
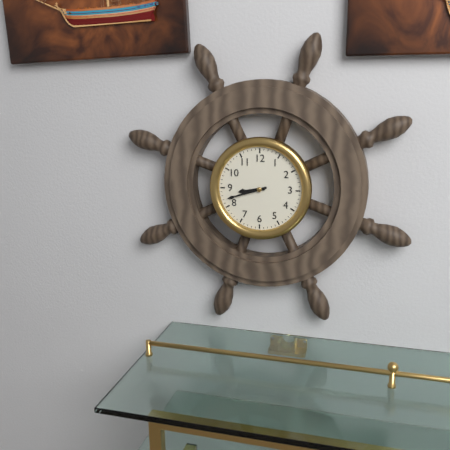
8:42
